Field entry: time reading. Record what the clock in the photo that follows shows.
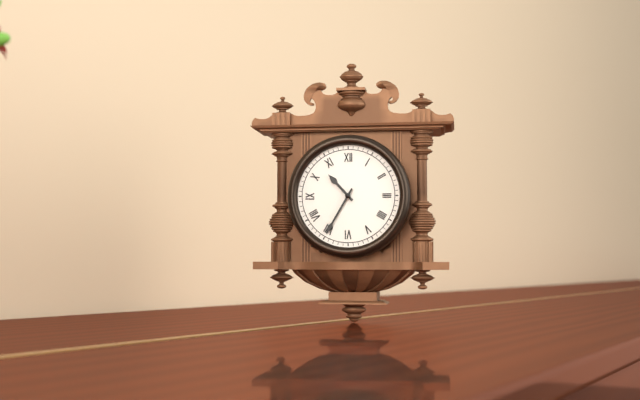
10:35
